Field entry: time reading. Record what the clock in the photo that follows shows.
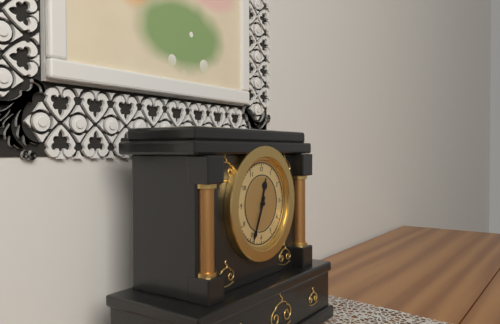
12:34
